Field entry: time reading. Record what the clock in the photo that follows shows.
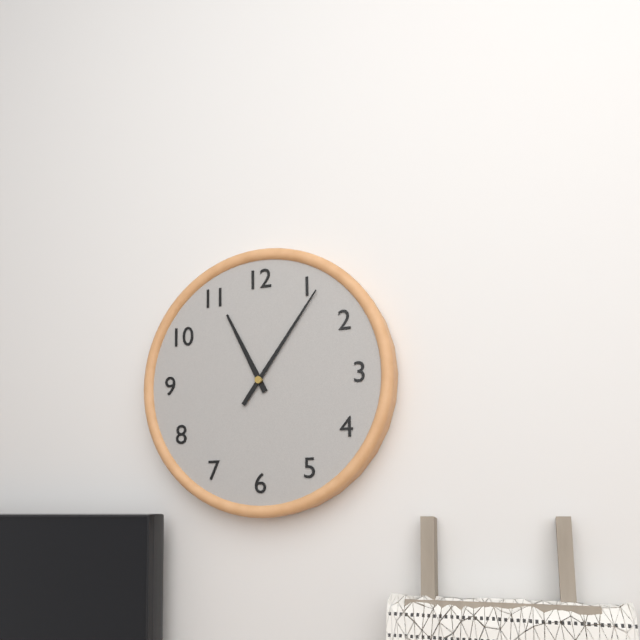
11:06
